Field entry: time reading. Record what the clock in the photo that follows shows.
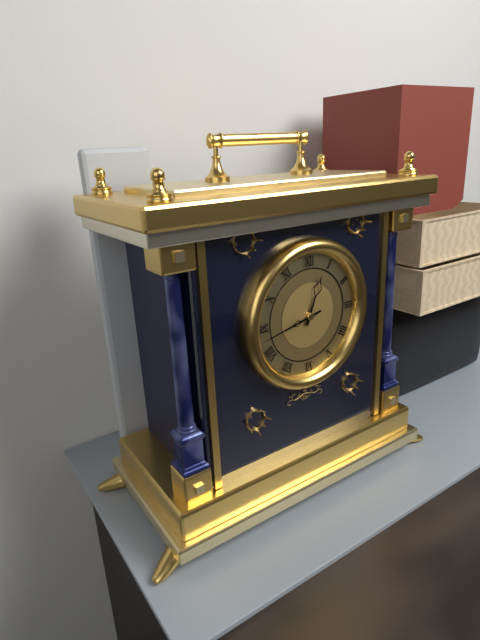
12:43
